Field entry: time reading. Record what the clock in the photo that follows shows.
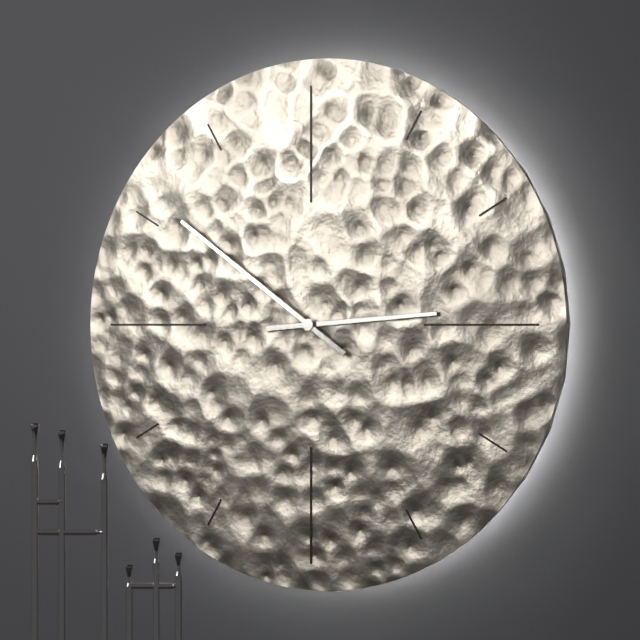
2:51
